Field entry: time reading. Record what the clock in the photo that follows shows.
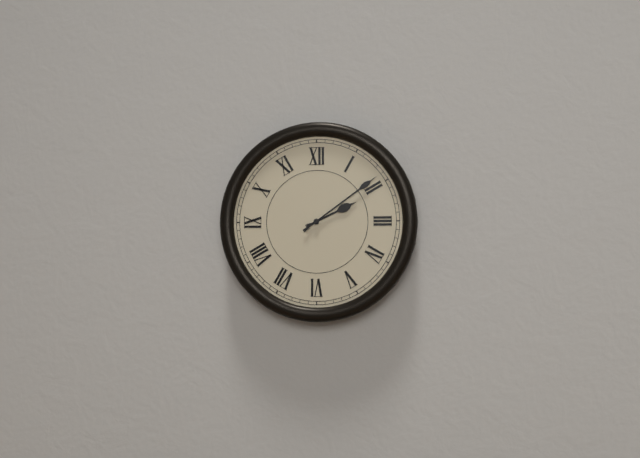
2:09
